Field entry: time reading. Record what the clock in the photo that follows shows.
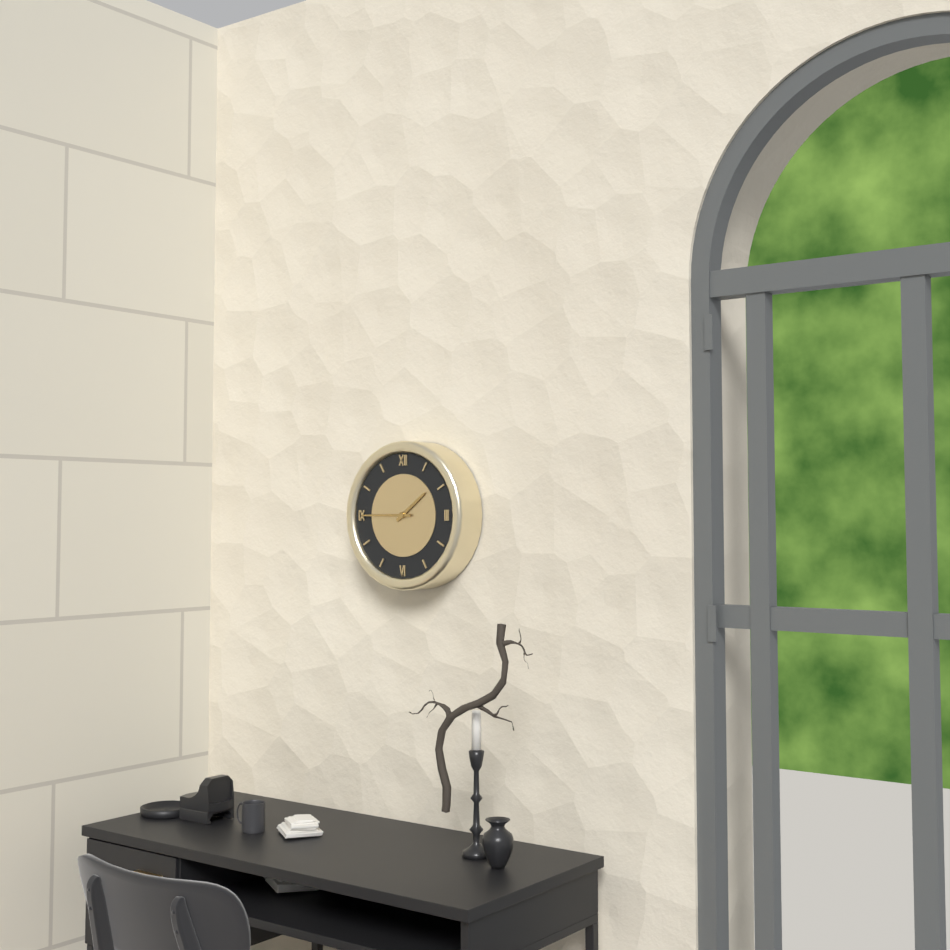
1:45
